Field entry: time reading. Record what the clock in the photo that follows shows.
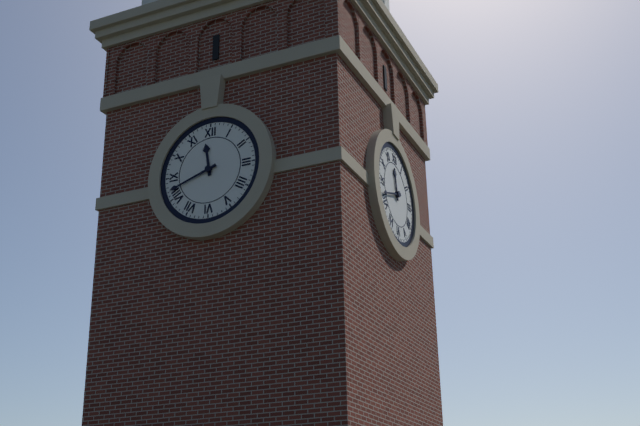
11:42
